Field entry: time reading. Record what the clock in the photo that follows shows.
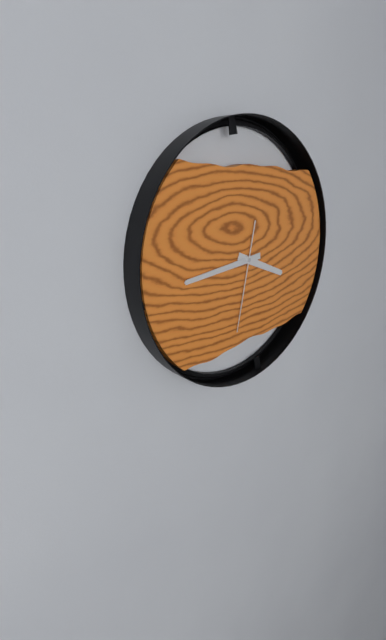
3:44:32
